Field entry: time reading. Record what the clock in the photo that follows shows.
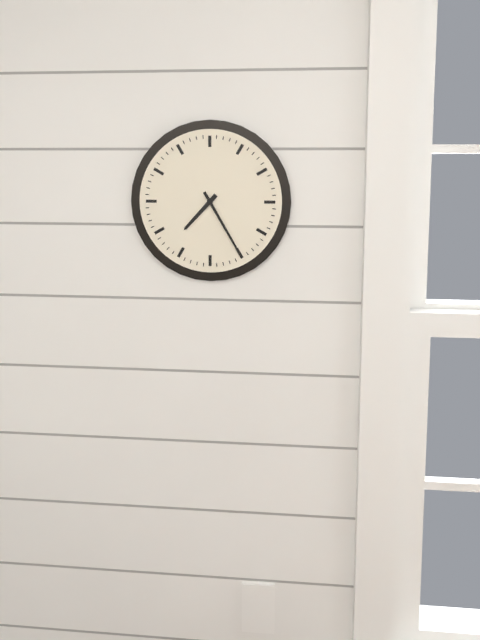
7:25
